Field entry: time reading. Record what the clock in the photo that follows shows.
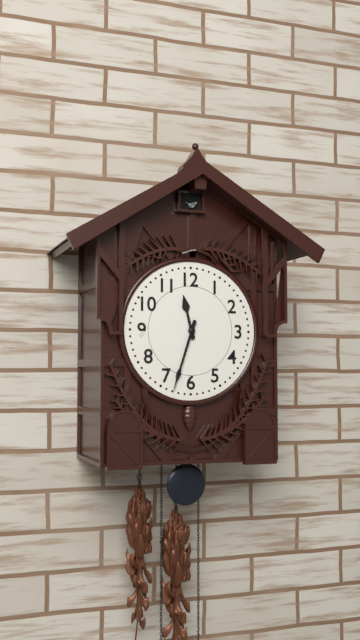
11:33
